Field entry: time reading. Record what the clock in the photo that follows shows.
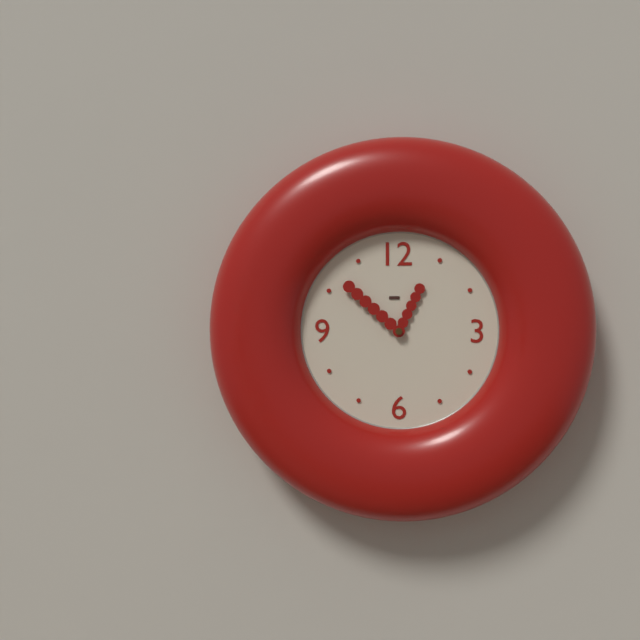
12:52
